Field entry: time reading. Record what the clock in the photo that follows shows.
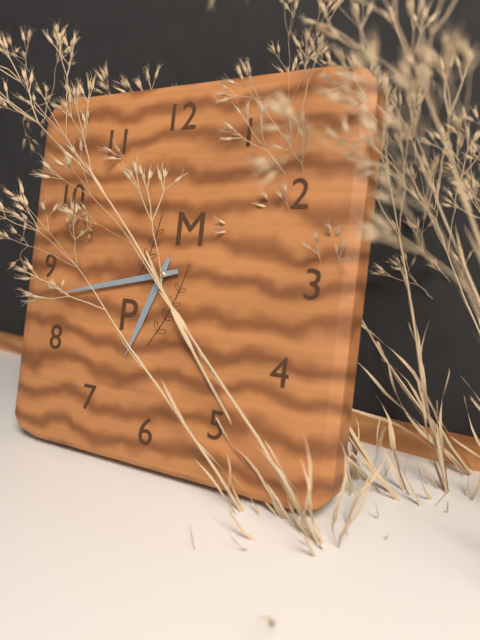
6:43
